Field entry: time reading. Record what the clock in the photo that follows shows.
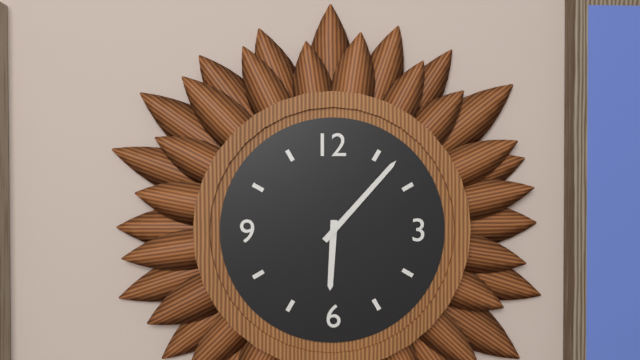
6:07
